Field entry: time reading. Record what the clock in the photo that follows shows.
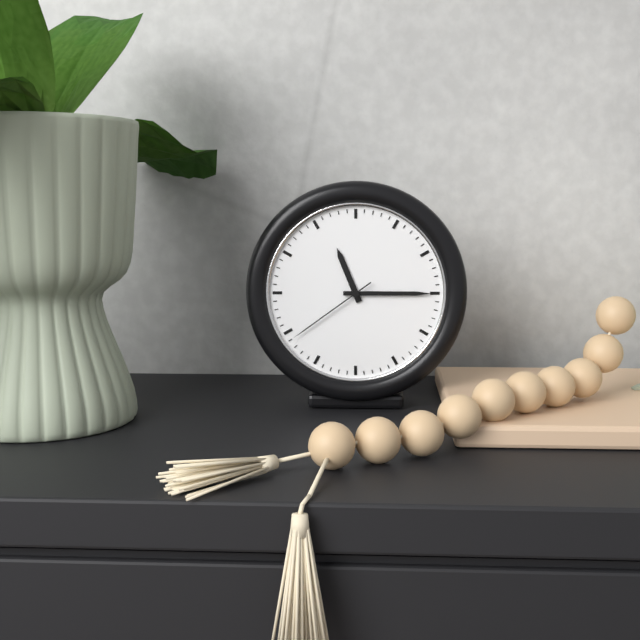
11:15:39
